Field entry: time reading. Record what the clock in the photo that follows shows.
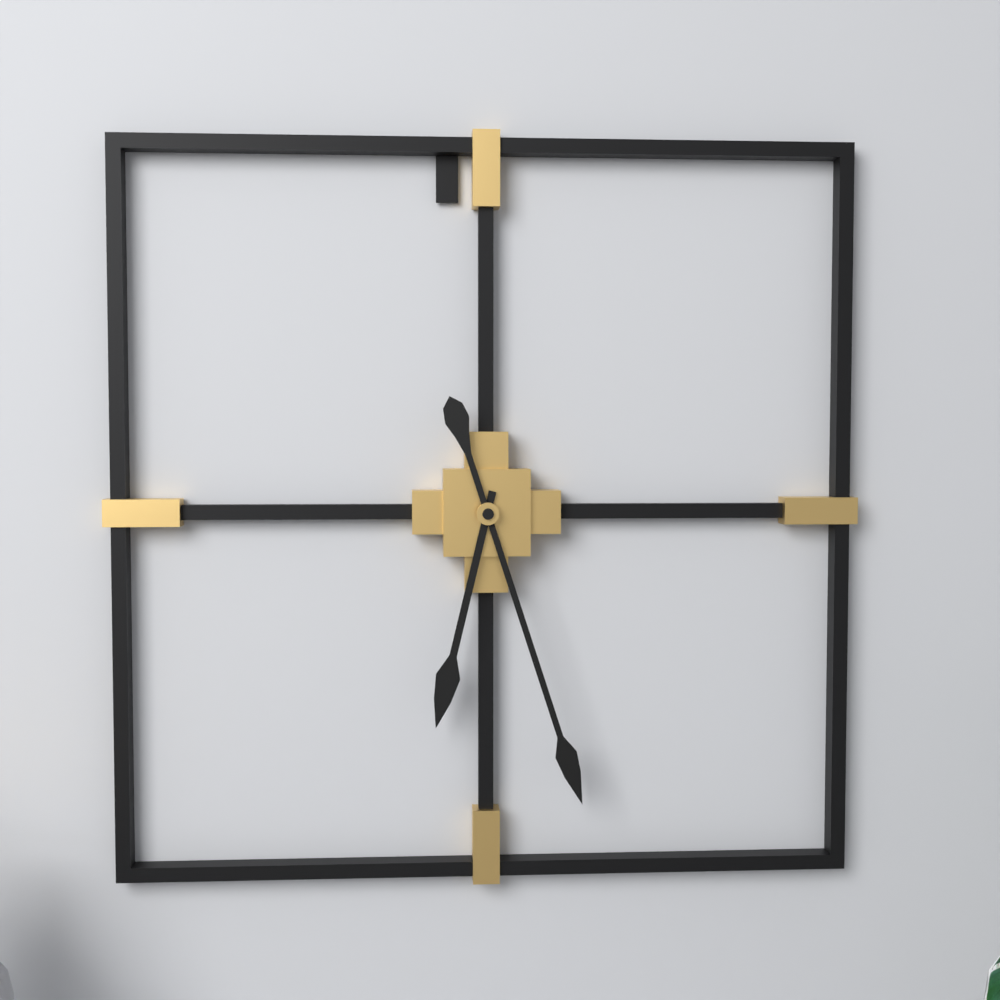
6:27
